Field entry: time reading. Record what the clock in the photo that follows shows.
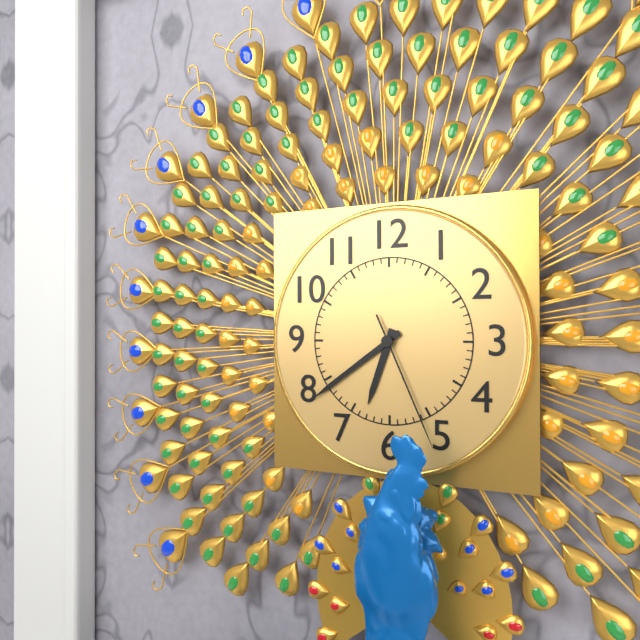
6:39:26
